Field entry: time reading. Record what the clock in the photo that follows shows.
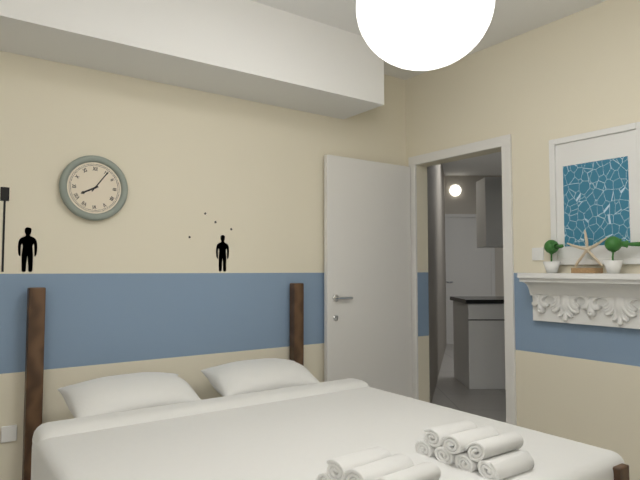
8:06
